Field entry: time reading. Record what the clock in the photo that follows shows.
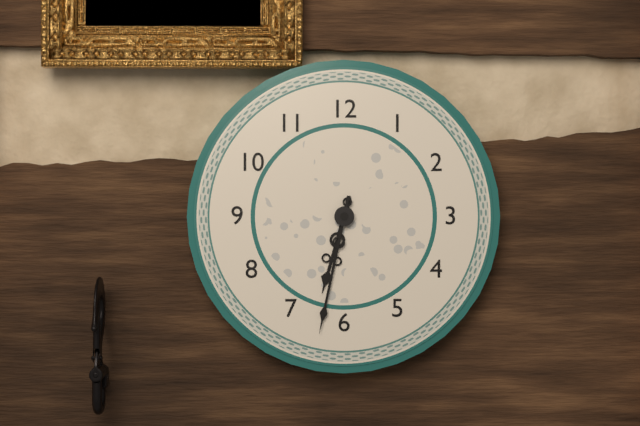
6:32
